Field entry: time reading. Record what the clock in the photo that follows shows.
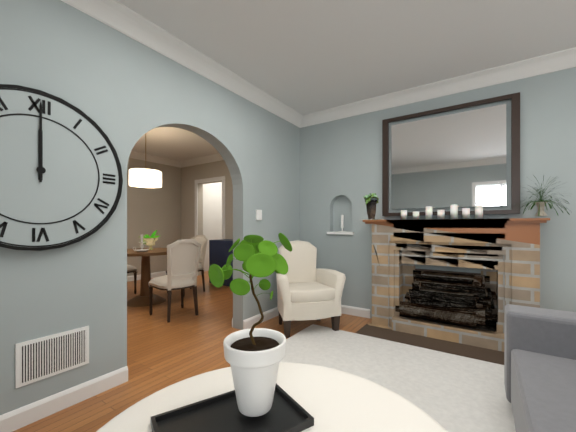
12:00
